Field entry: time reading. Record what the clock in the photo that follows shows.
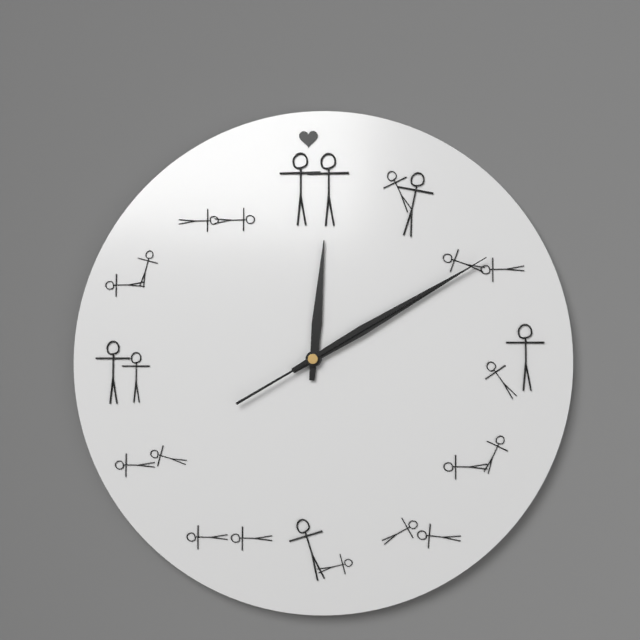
12:10:10
